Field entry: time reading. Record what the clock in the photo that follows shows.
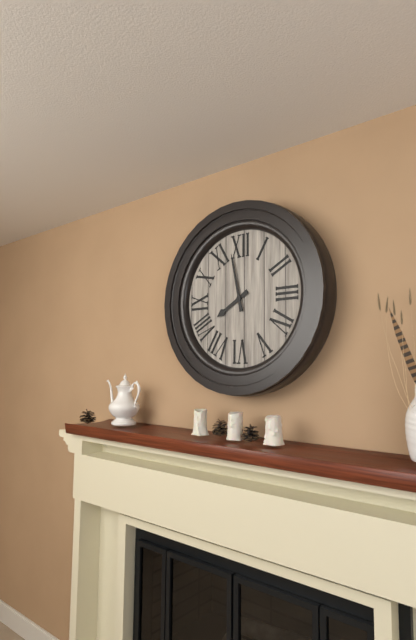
7:58
